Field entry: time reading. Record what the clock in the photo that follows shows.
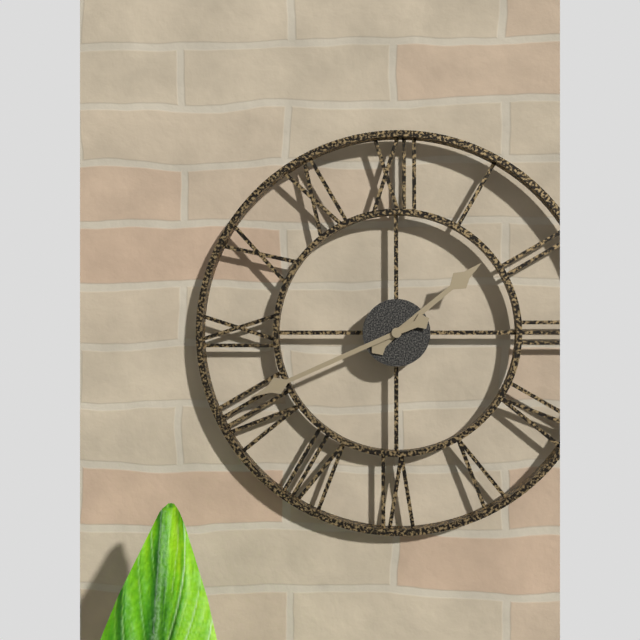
1:41
